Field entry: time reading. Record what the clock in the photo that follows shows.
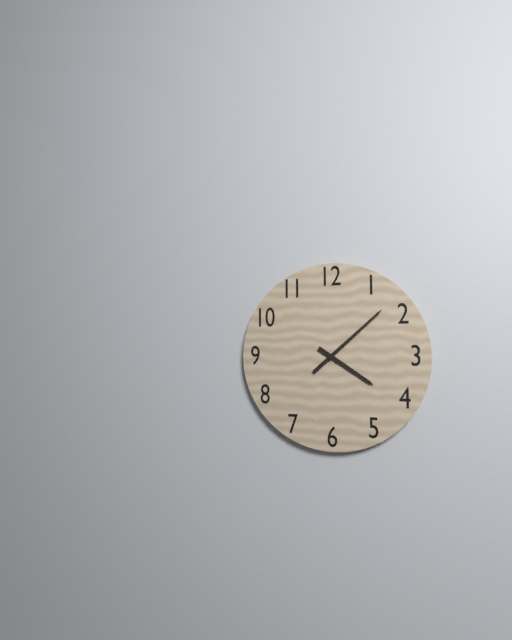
4:08
